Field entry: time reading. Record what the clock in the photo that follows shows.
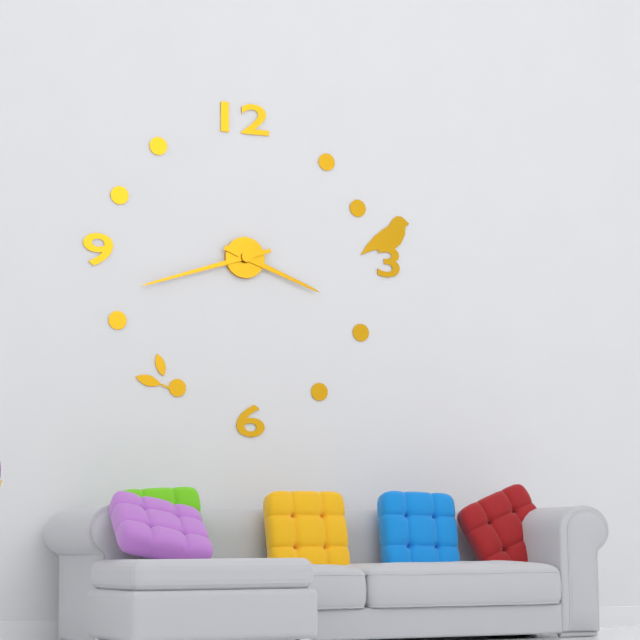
3:42
